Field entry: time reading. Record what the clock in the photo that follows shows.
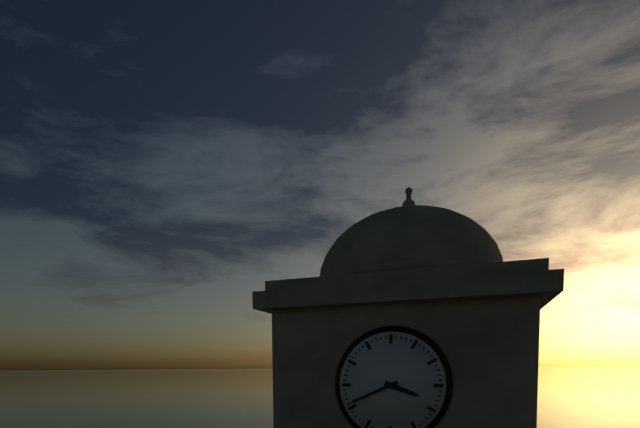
3:41
